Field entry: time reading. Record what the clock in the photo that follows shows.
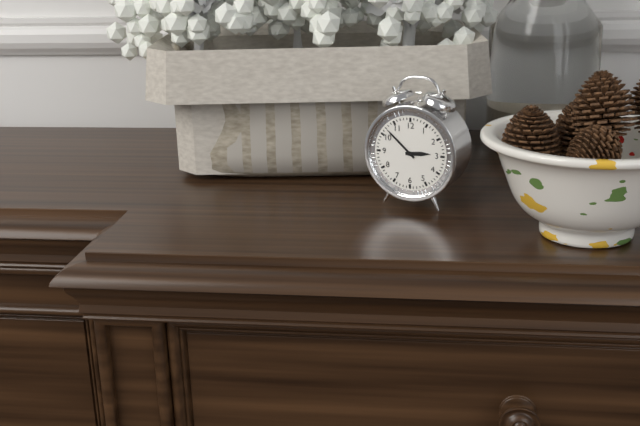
2:52
